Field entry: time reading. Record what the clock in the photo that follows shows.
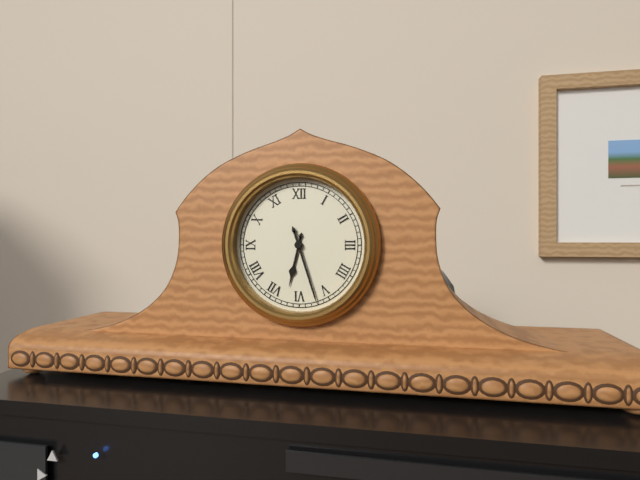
6:27
